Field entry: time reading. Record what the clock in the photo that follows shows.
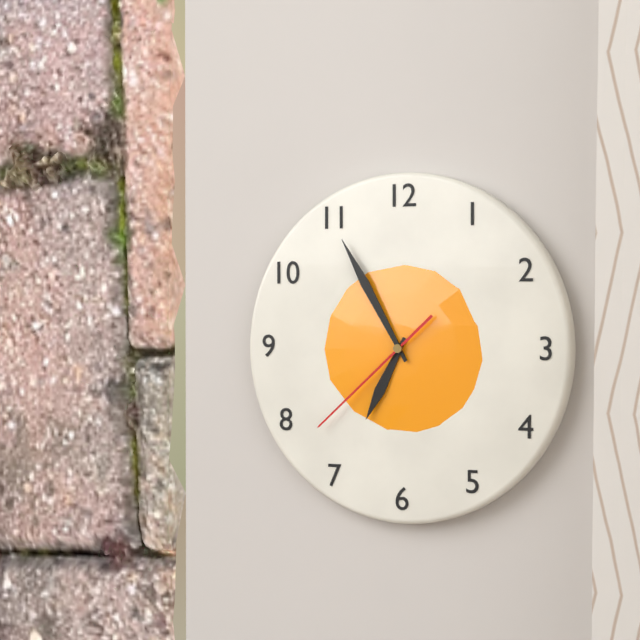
6:55:38
